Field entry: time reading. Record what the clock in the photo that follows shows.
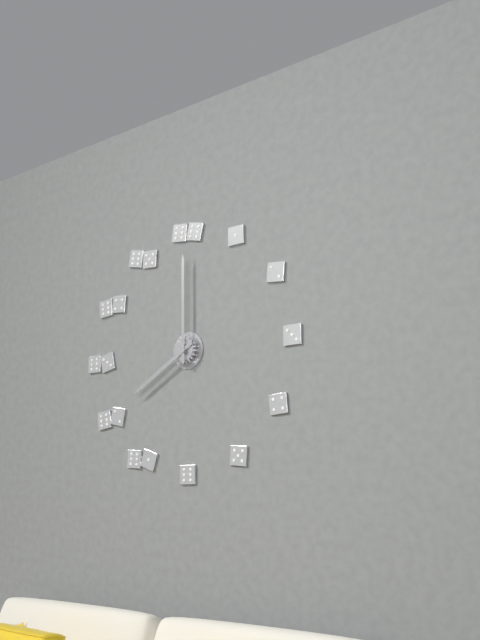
8:00
